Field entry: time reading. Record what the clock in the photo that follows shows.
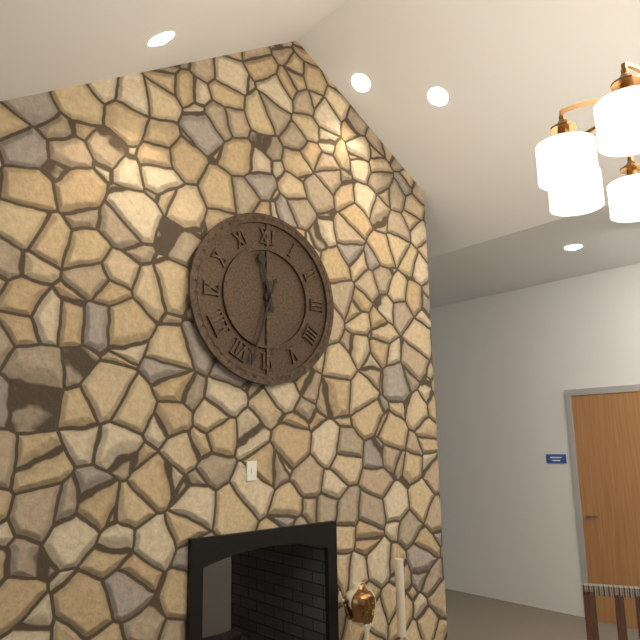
11:33
